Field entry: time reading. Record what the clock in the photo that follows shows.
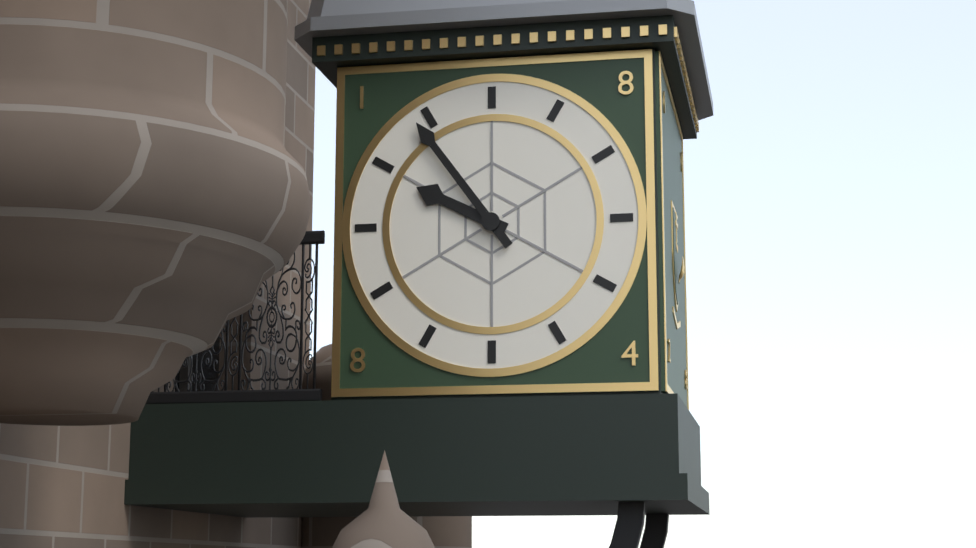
9:54
